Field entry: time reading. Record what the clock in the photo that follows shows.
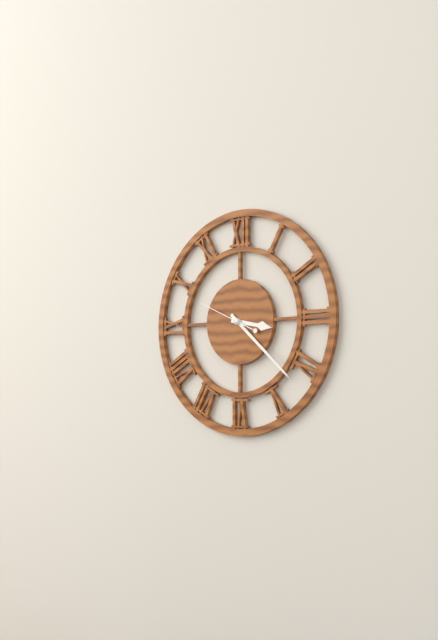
3:22:49
